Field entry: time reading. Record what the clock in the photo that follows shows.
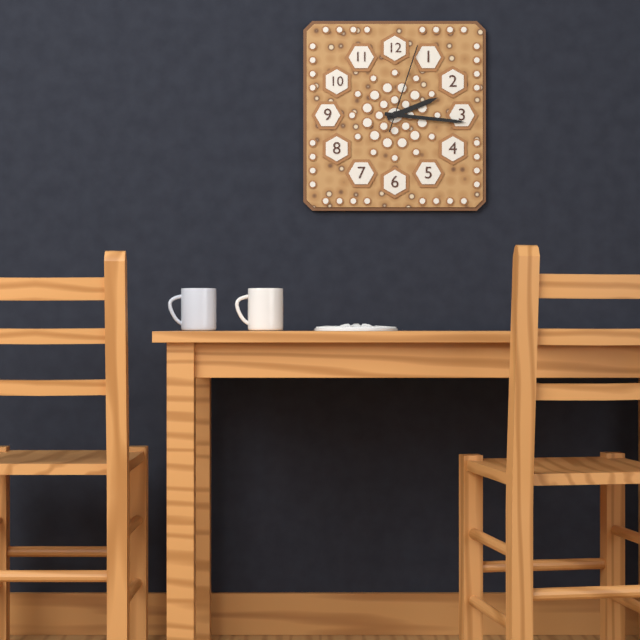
2:16:03
